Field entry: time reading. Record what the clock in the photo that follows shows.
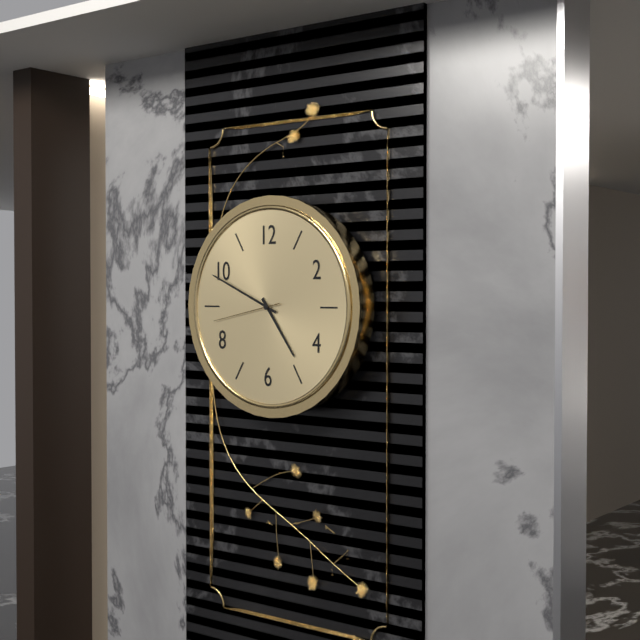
4:49:43
